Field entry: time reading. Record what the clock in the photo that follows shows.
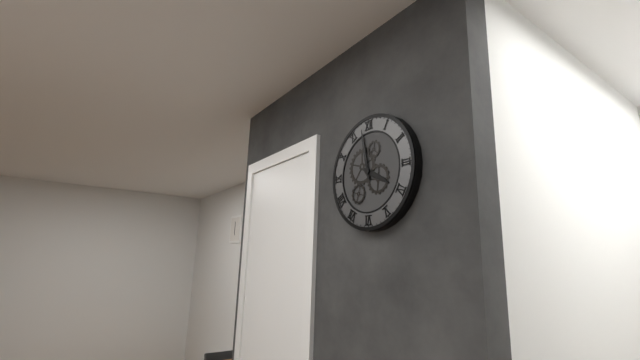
3:58
